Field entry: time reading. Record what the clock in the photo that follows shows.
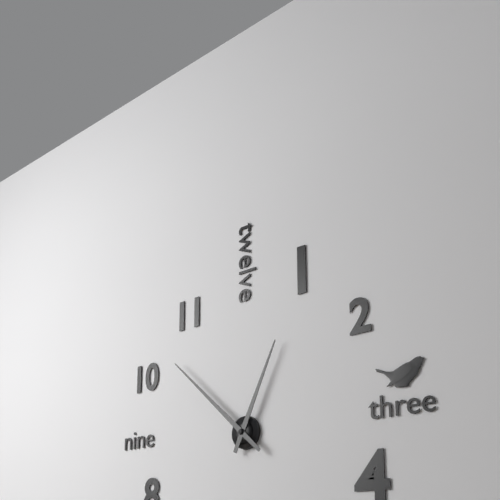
12:52
